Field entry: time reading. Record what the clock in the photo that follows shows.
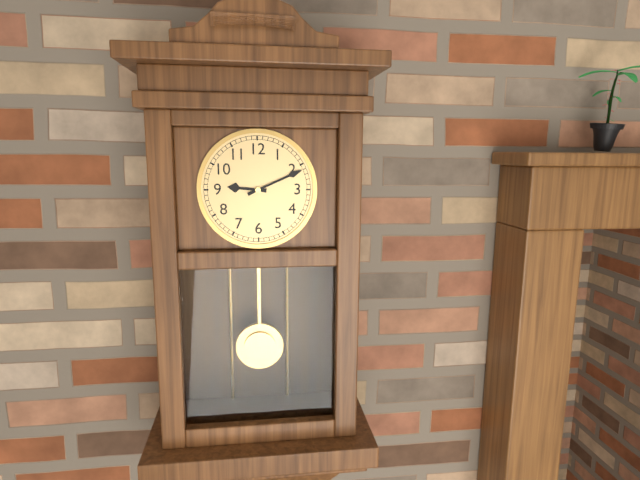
9:11
